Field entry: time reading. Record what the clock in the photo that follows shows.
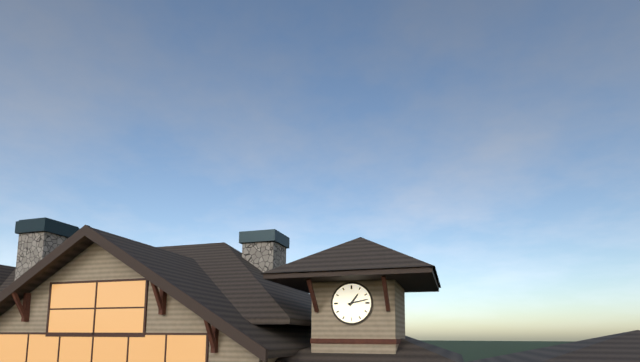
1:13
